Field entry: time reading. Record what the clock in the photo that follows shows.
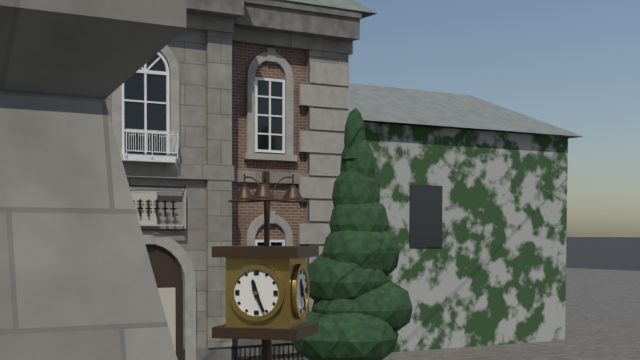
11:26
